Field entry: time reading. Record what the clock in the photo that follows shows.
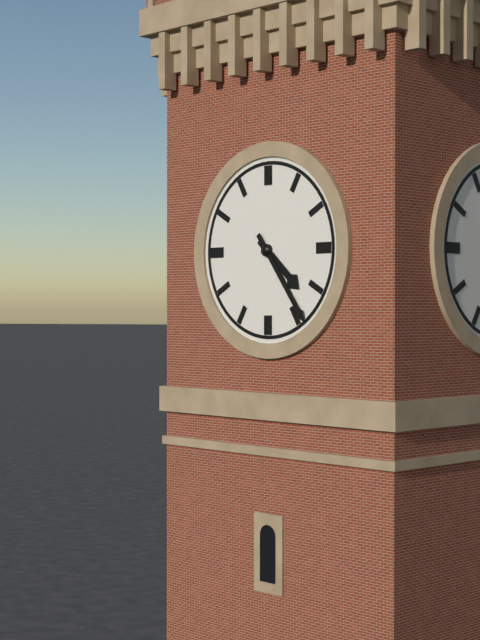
4:24
